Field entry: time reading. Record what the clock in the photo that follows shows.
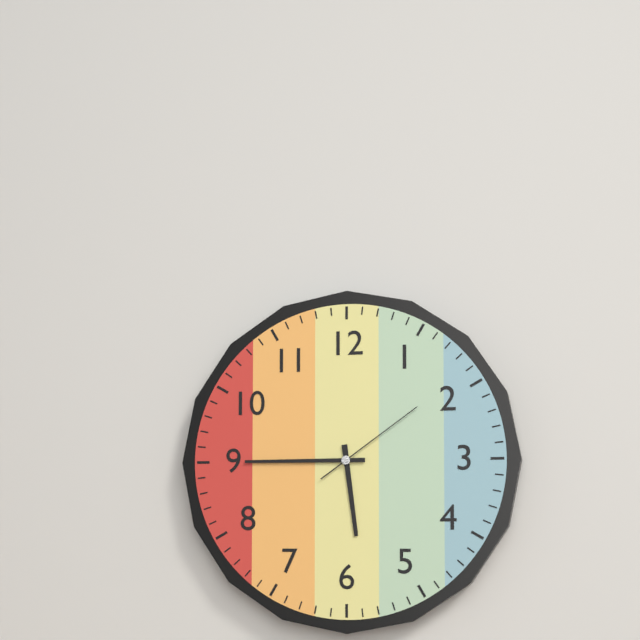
5:45:09
